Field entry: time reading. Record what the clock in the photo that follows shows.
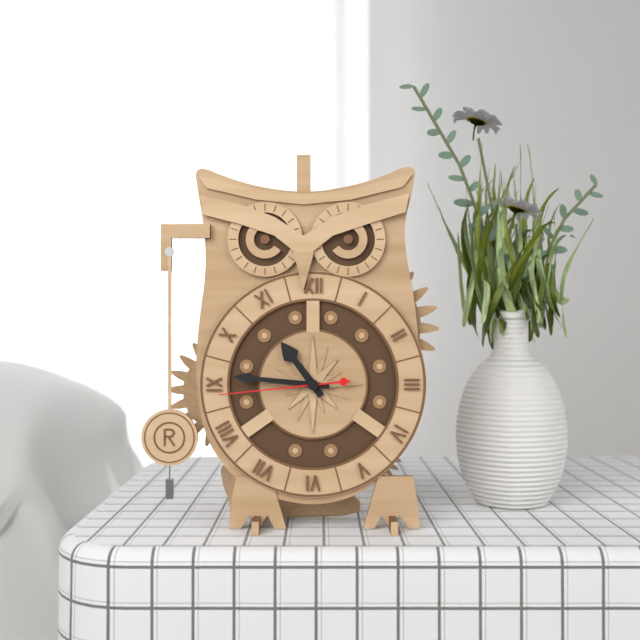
10:46:44
